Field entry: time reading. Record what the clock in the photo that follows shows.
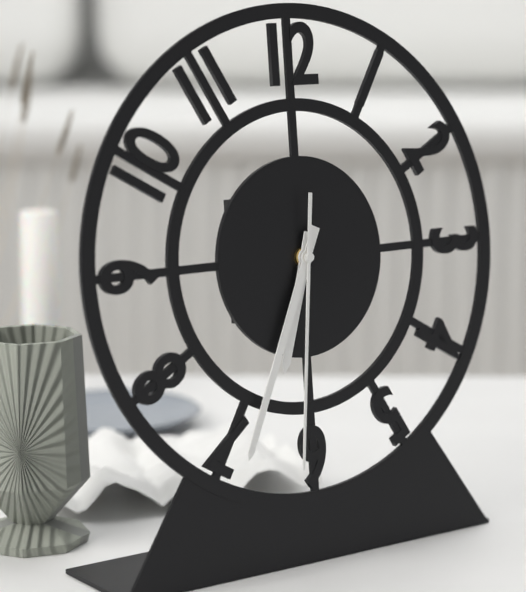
6:34:31
